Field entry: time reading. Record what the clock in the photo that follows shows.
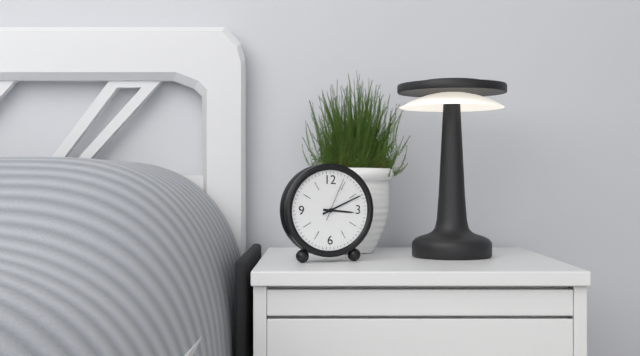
3:11
